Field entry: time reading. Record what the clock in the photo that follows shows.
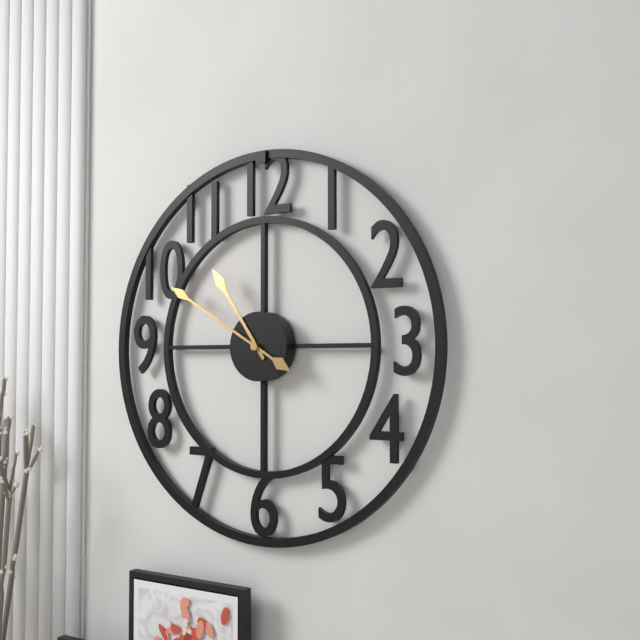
10:50
